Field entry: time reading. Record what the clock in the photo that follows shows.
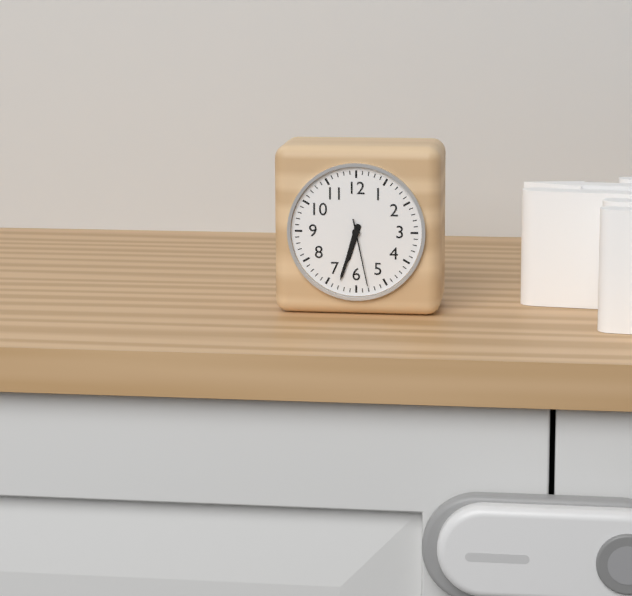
6:33:28
